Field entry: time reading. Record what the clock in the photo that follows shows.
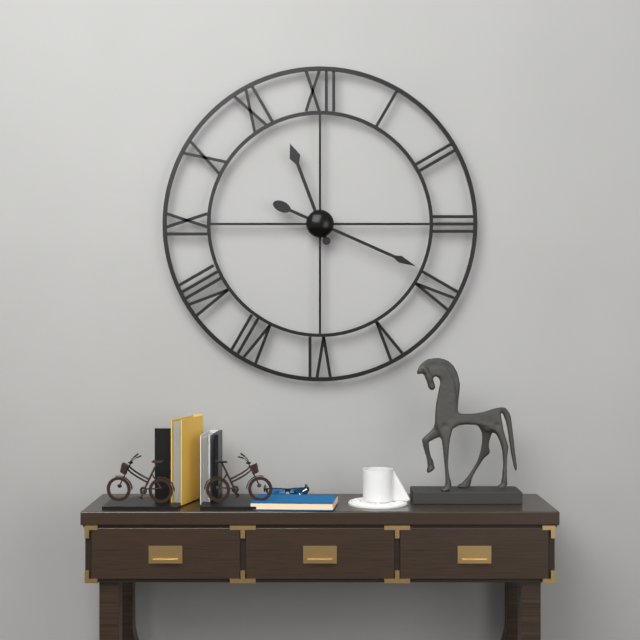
11:19
